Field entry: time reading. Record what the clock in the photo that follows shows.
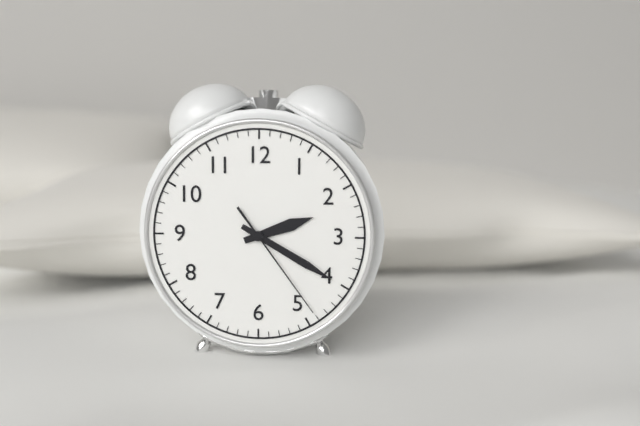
2:20:24
